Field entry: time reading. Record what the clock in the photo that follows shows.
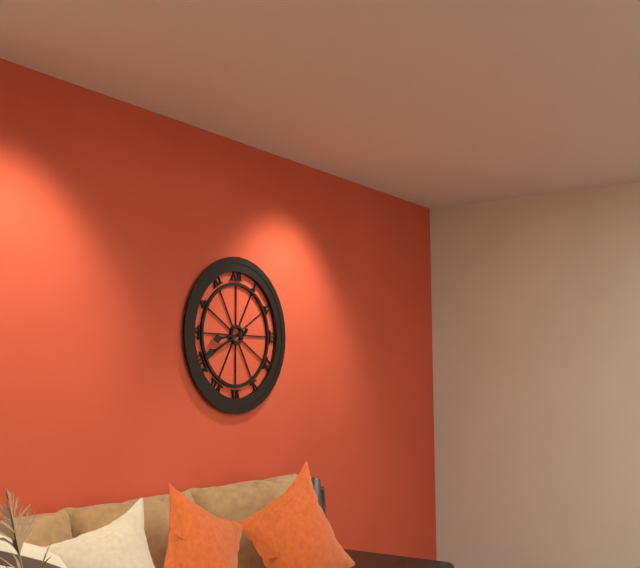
8:41
